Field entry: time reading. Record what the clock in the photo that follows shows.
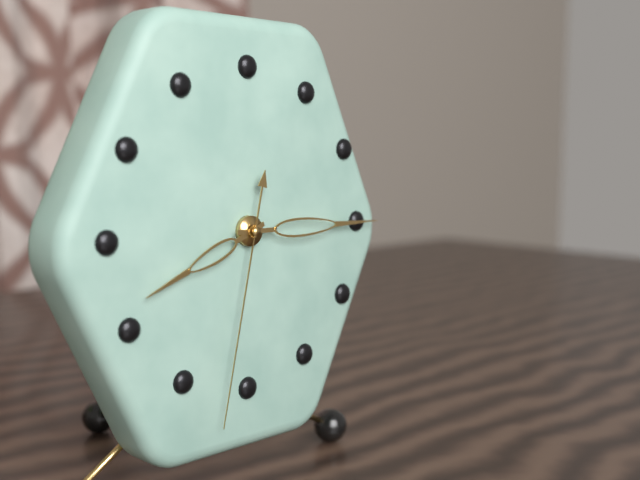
8:15:32
